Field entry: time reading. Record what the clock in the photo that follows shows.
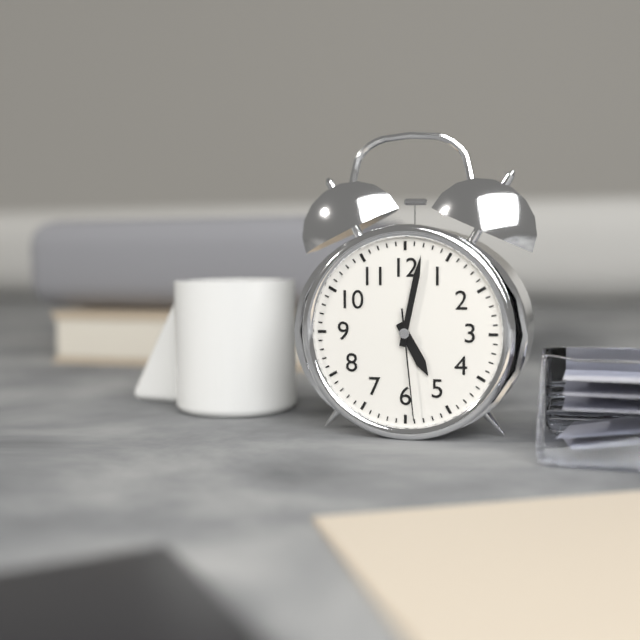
5:02:29
